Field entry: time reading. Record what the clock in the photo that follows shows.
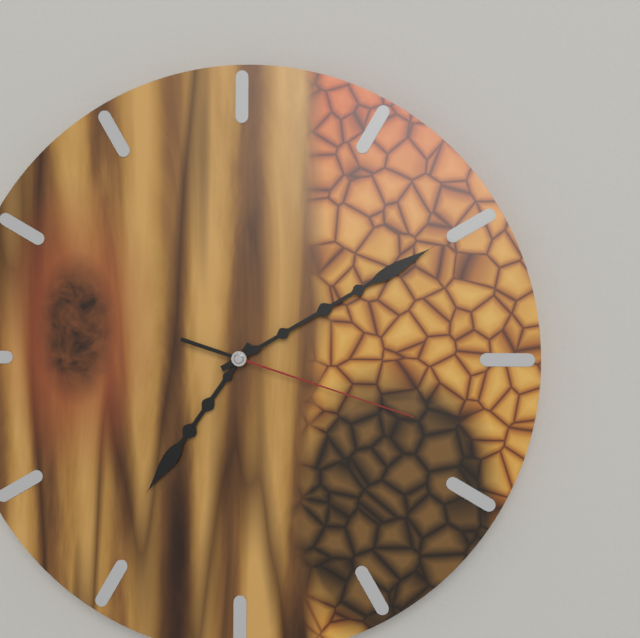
7:10:18
